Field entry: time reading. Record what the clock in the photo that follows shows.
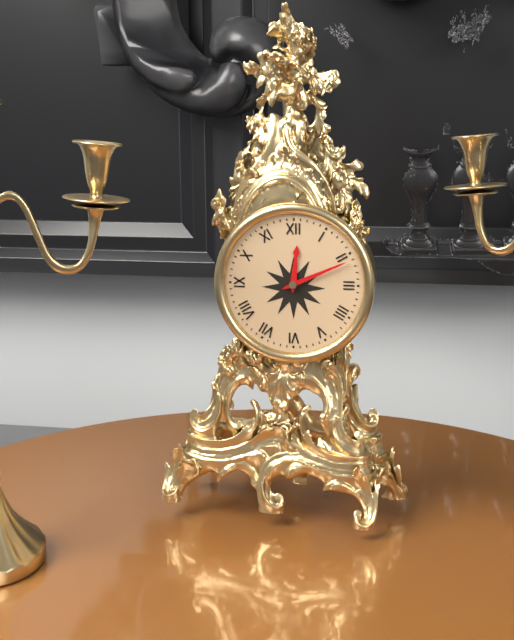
12:11
